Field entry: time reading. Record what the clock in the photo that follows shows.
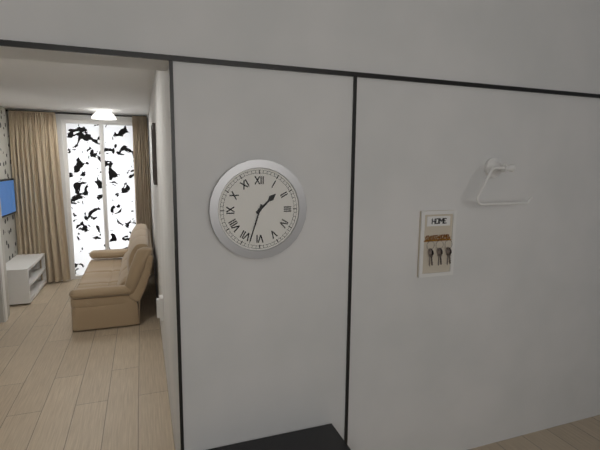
1:33
